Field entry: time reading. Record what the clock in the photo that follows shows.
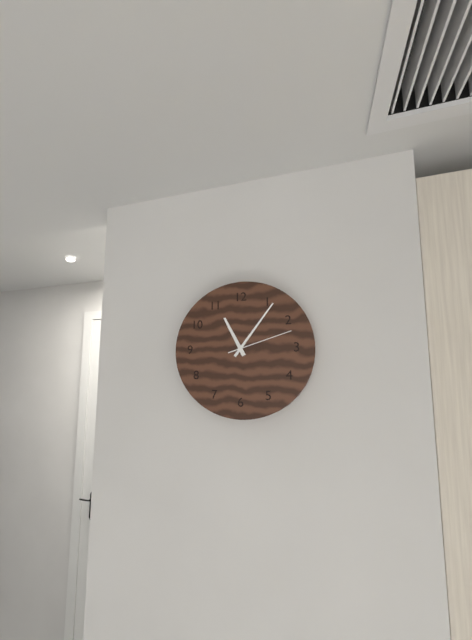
11:06:12
